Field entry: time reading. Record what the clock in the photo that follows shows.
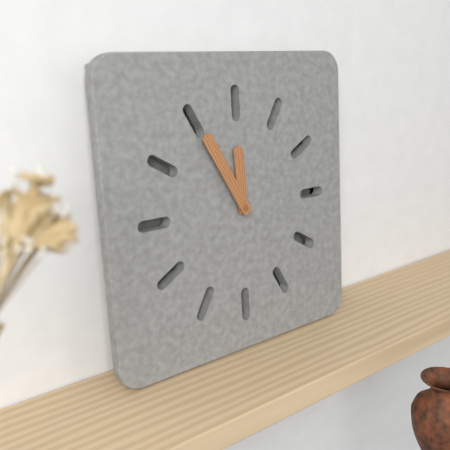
11:55
